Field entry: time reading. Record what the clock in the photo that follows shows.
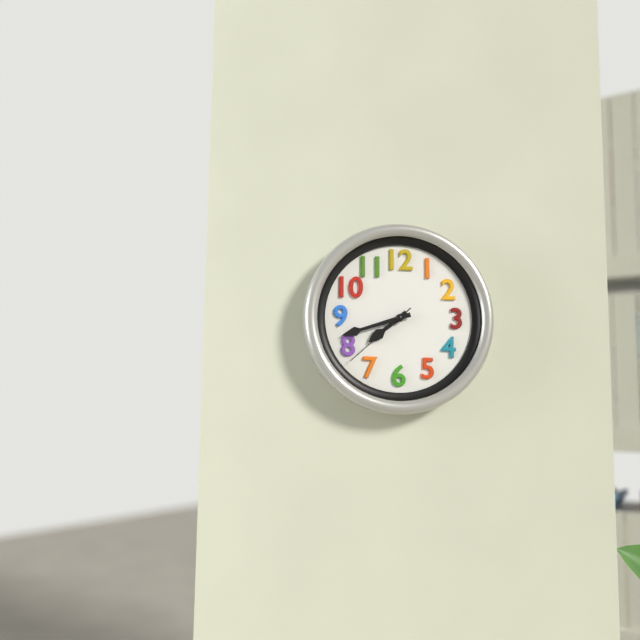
7:42:38
